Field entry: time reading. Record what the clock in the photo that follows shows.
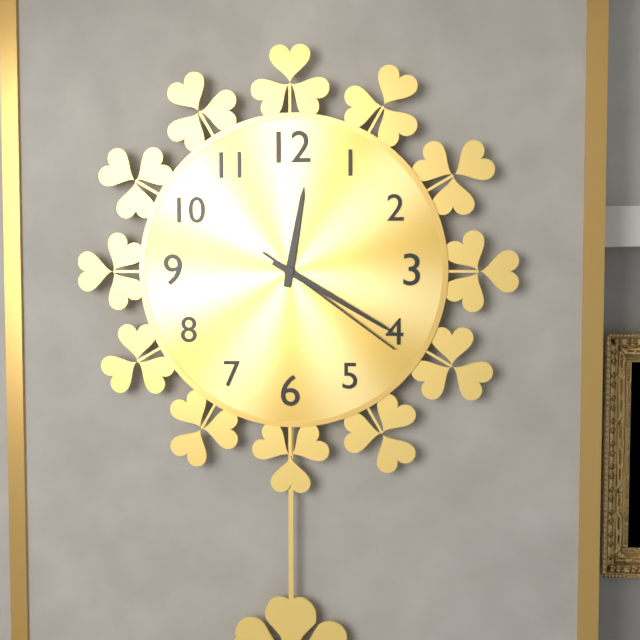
12:20:21
